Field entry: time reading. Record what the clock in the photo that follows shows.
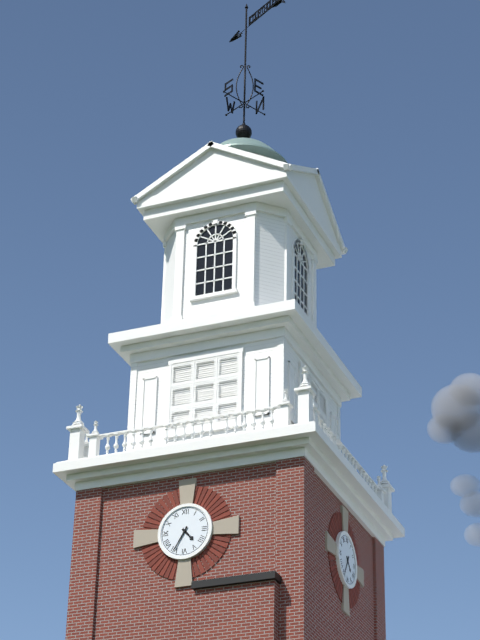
4:35
